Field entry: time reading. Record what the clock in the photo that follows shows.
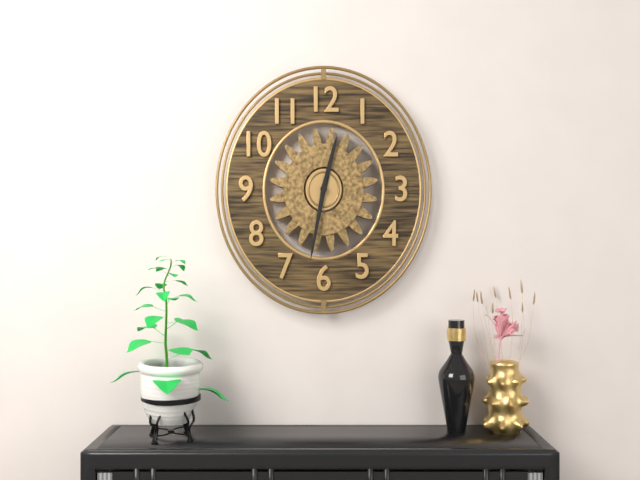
12:32
